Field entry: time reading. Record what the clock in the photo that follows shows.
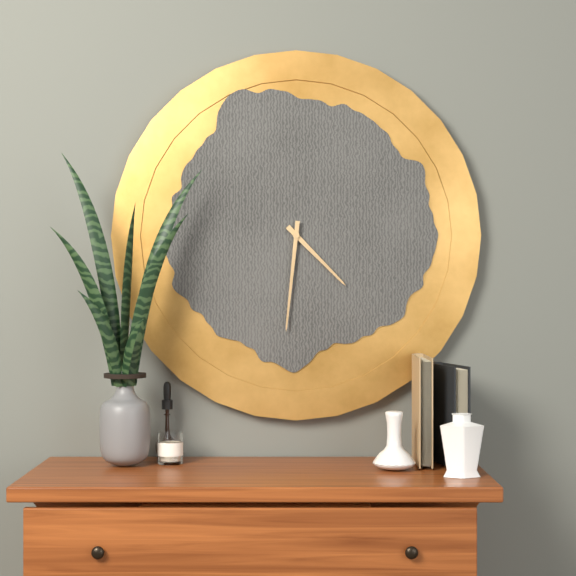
4:31
